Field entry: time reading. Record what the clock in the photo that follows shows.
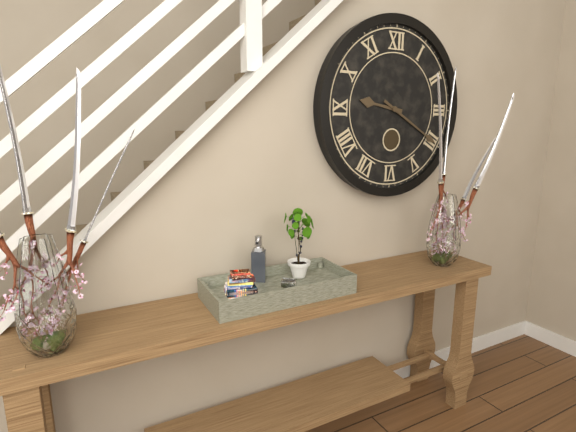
9:20
